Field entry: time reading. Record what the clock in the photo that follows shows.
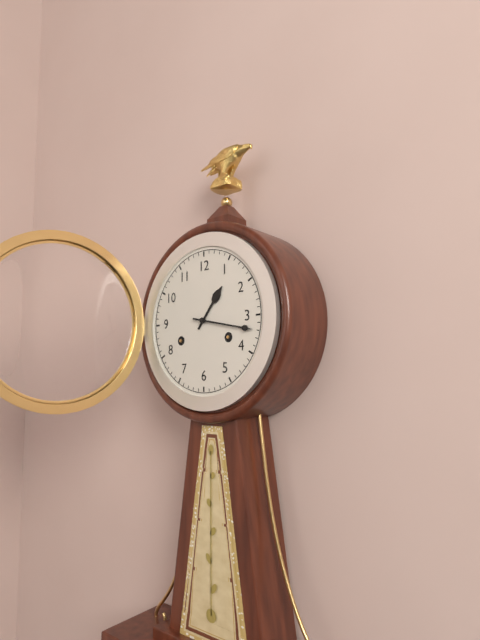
1:17
